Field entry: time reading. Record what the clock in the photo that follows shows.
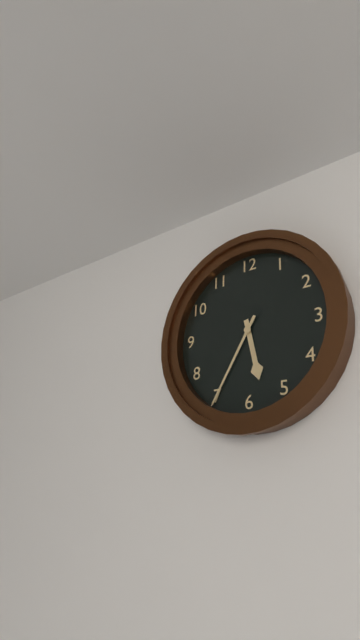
5:35
